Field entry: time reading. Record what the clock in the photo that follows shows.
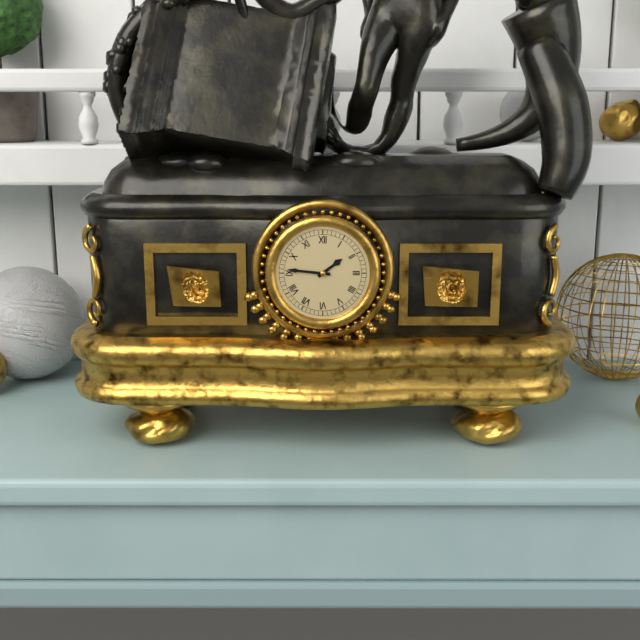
1:46
